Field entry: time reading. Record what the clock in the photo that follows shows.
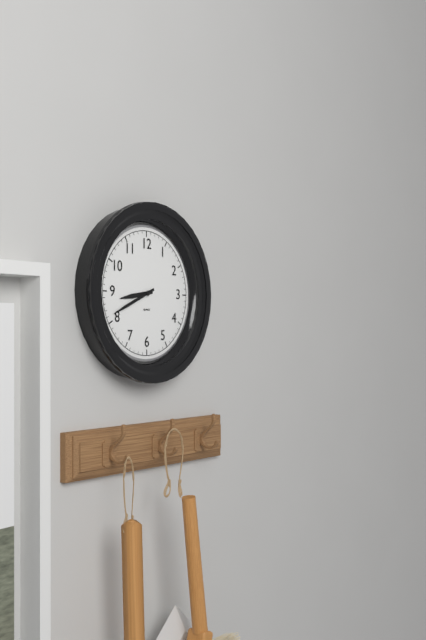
8:41
